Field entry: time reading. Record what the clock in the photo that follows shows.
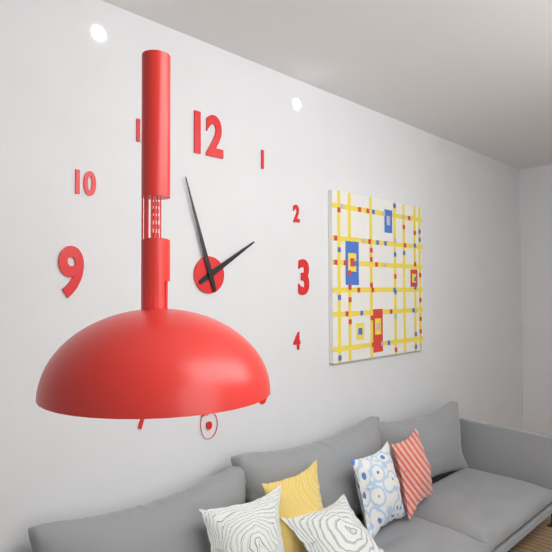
1:57
